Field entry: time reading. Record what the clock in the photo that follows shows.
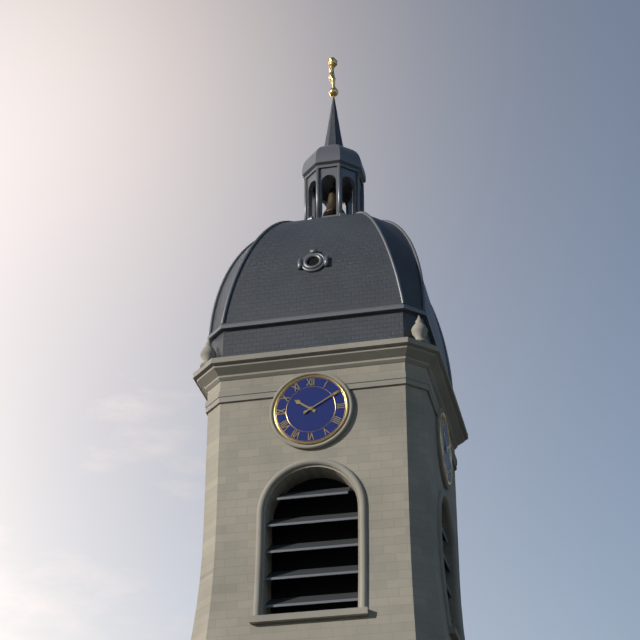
10:10
